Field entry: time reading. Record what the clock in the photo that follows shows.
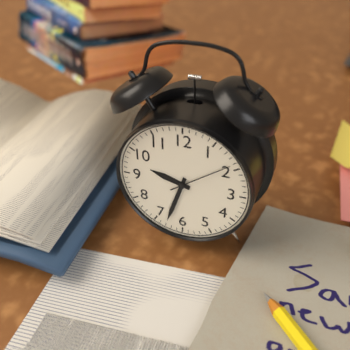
9:33:09
